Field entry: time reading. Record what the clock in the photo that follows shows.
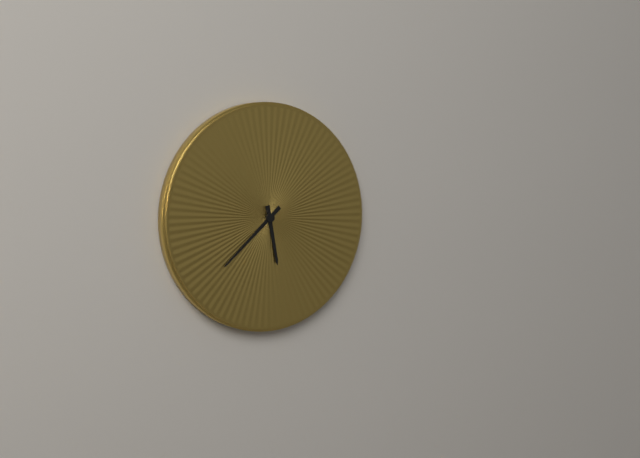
5:38
